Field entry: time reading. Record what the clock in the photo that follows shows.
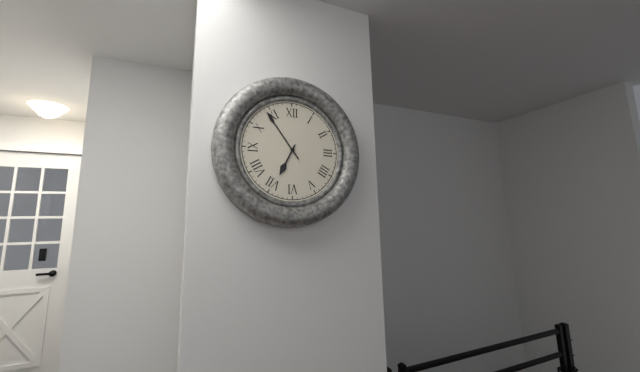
6:54
